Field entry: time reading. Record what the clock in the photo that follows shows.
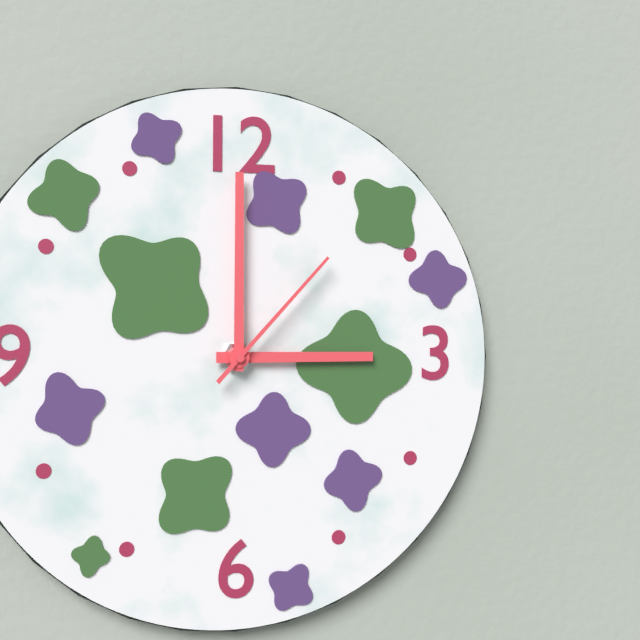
3:00:07
